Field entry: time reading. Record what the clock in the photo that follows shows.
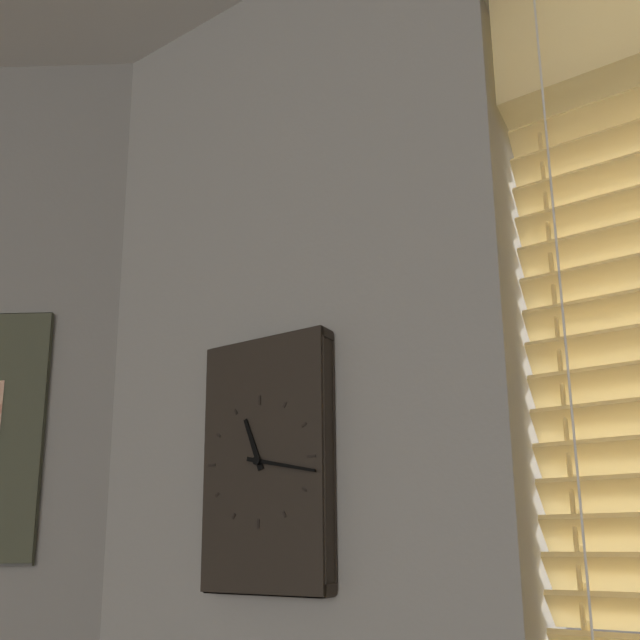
11:17
